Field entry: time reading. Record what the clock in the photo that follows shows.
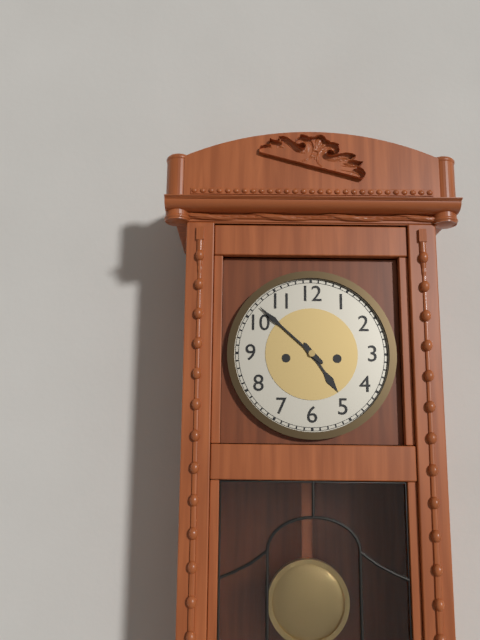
4:52
